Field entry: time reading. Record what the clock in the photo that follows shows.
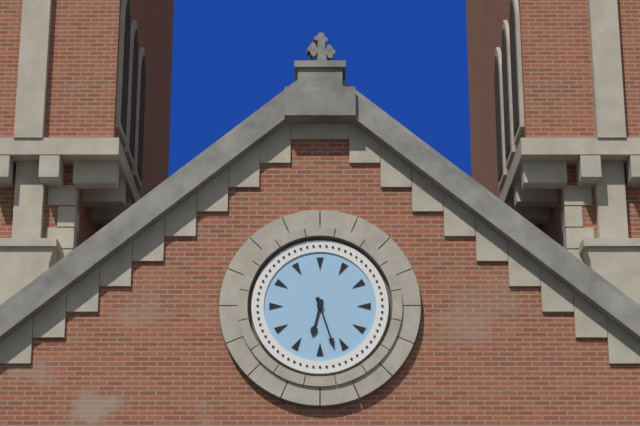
6:27
